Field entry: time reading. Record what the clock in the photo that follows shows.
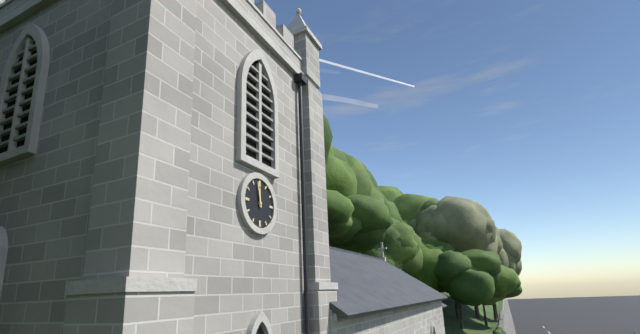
11:58
